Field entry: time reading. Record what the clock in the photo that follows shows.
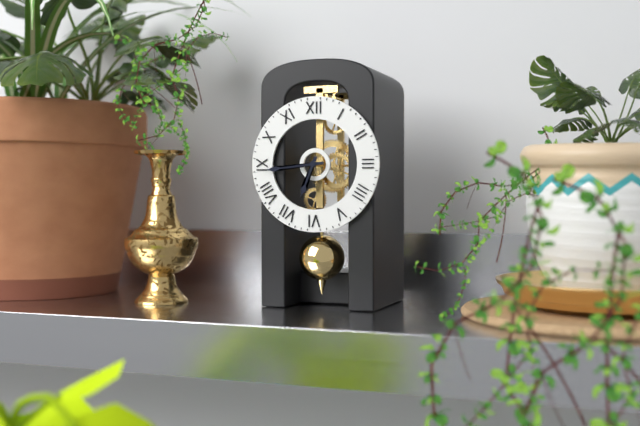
6:44
